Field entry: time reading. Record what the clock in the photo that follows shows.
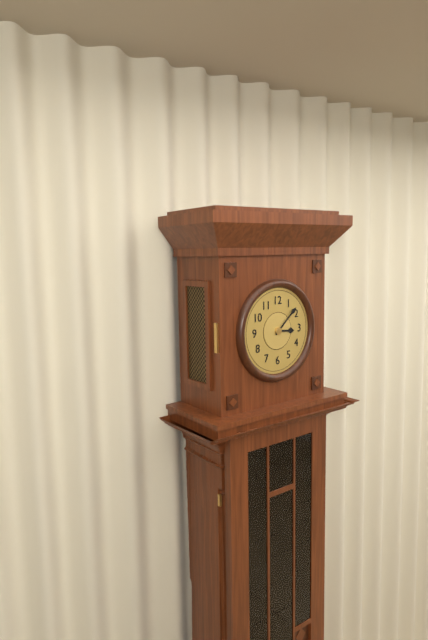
3:08
